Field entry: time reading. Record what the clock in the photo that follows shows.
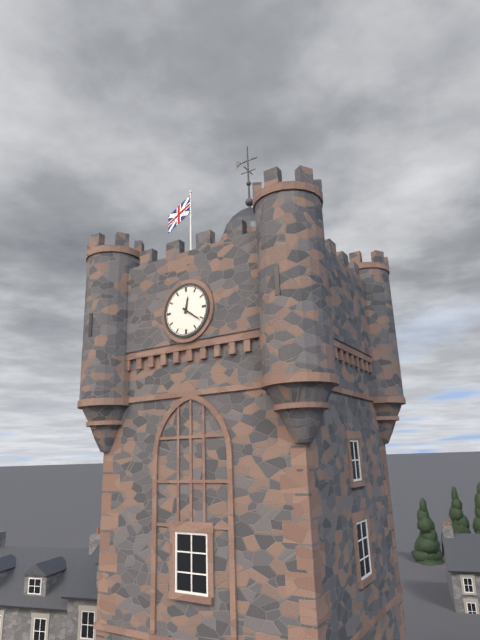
12:21
